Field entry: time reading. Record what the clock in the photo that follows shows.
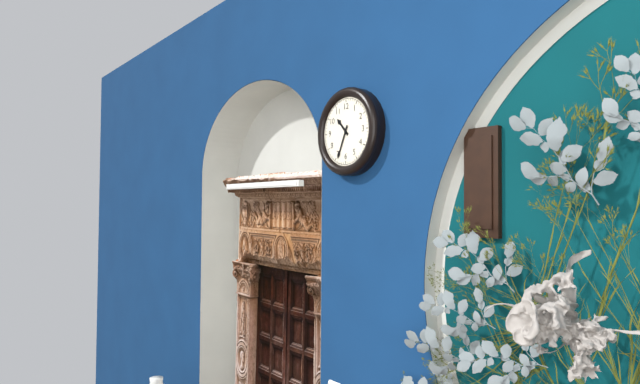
10:34
